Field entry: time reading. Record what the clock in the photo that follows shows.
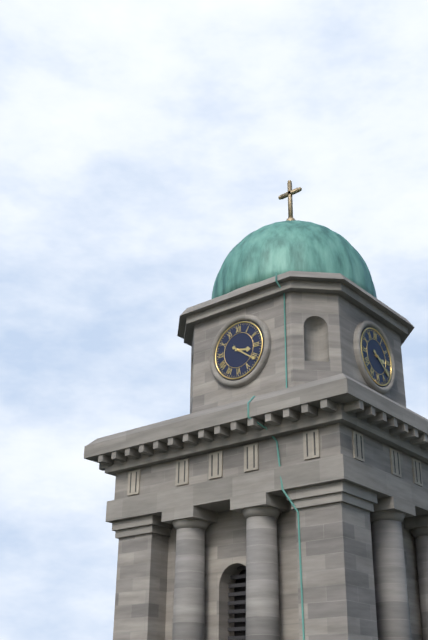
3:21
